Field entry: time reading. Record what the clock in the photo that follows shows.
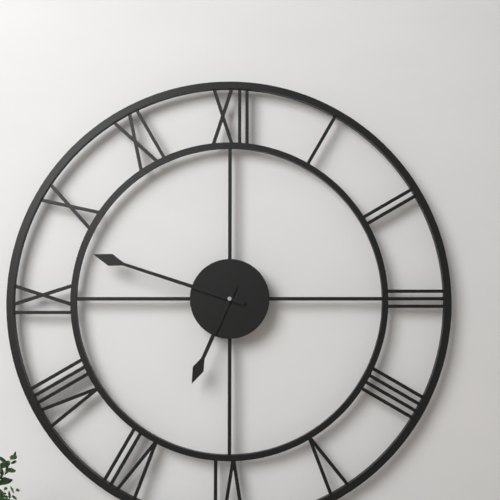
6:48
